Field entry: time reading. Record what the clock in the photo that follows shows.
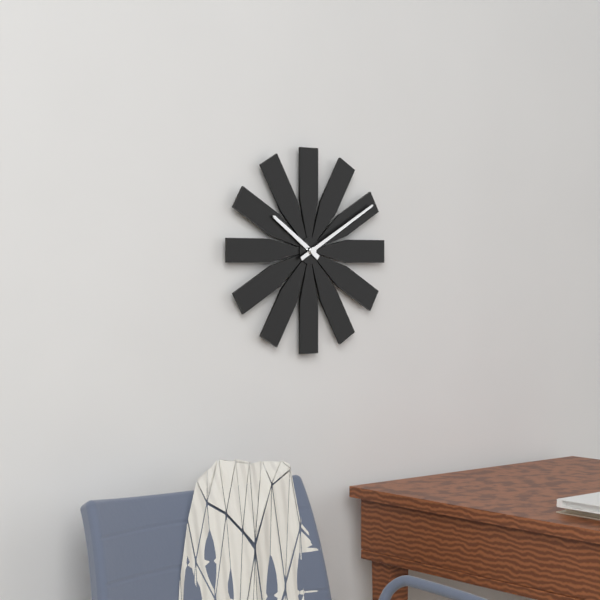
10:10
